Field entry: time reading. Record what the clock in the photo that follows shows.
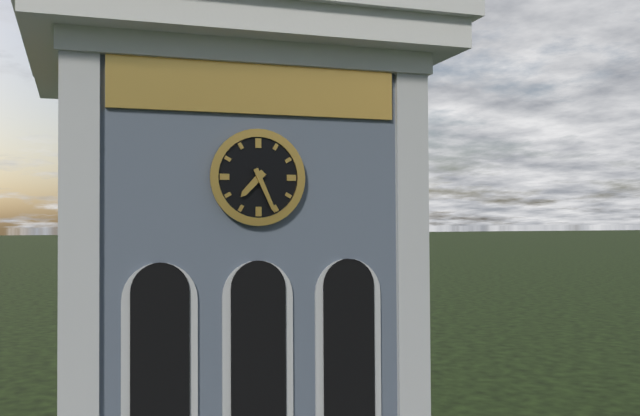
7:26
